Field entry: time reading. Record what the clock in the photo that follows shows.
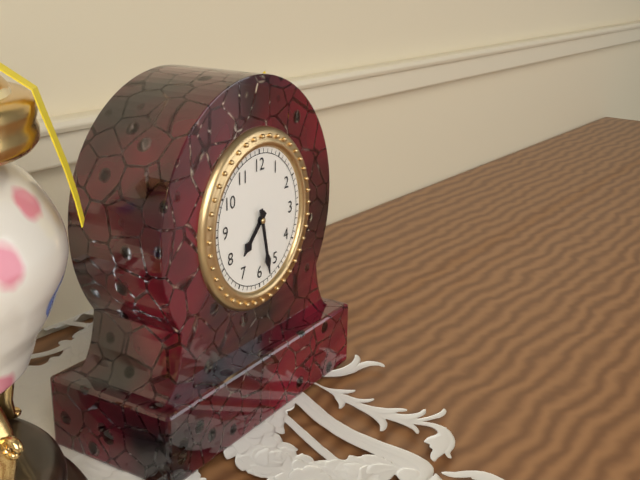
7:28
